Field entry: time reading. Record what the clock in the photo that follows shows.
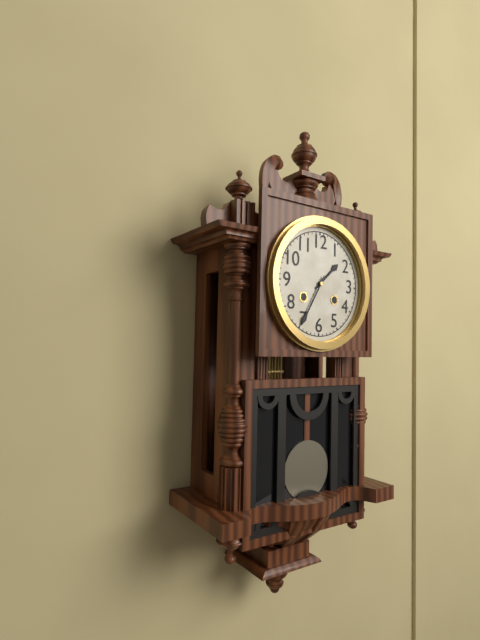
1:35
